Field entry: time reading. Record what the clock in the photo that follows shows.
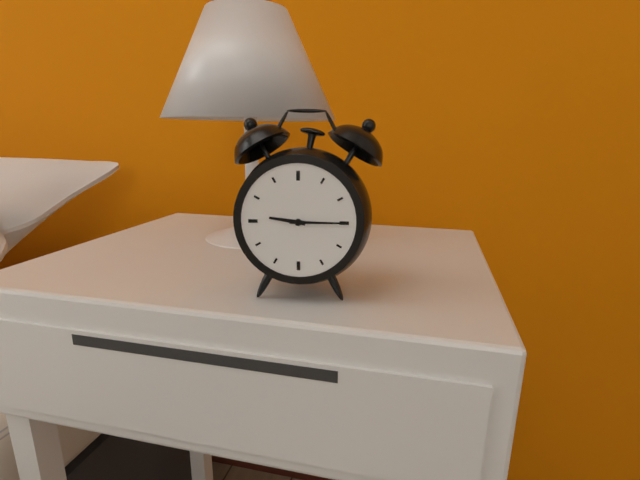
9:15
